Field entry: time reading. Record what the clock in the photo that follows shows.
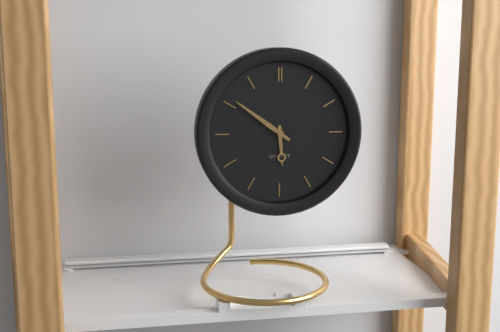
5:51
